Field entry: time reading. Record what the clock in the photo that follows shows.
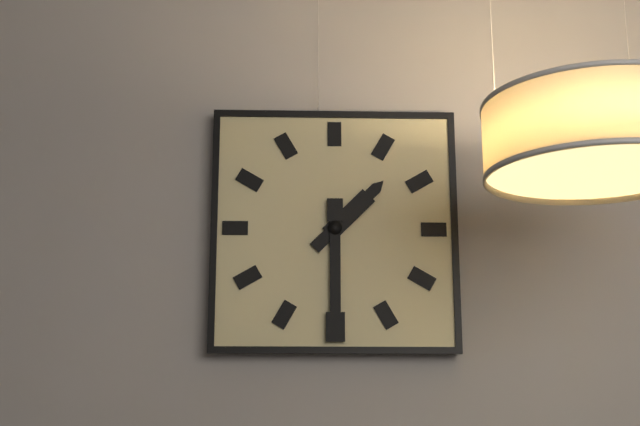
1:30
